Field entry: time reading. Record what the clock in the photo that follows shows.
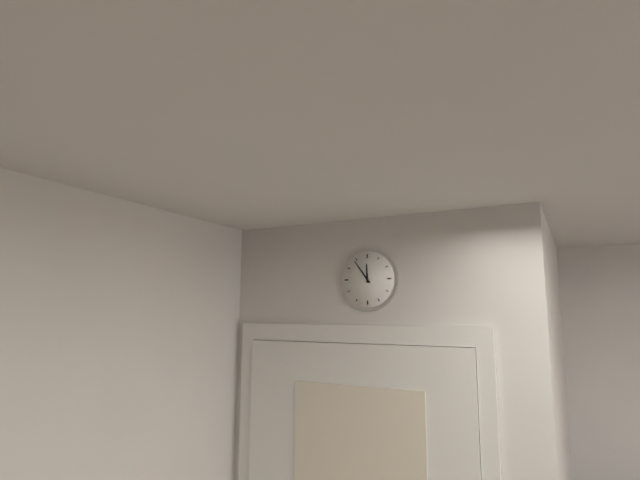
11:54
